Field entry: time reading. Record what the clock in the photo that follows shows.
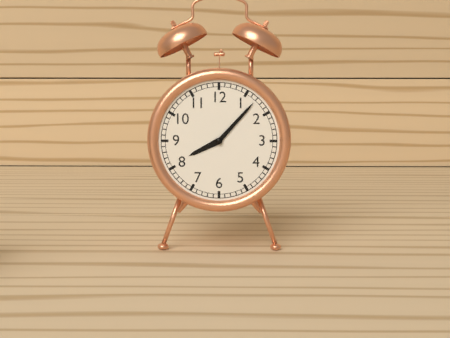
8:07
